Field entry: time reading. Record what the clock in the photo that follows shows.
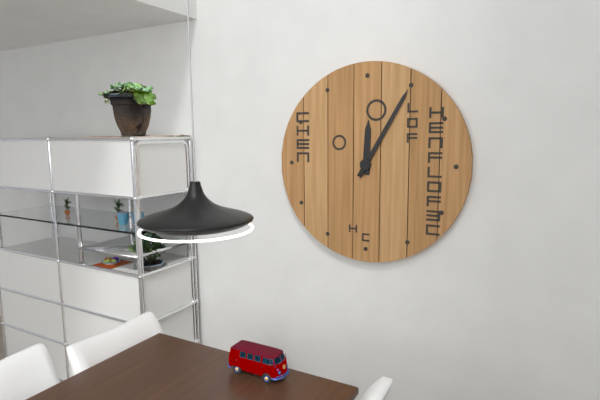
12:05
